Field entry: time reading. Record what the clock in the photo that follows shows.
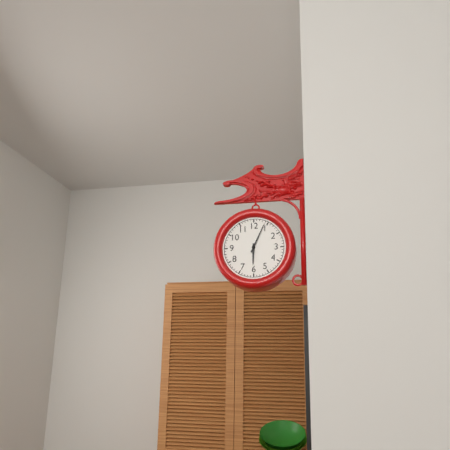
6:04
